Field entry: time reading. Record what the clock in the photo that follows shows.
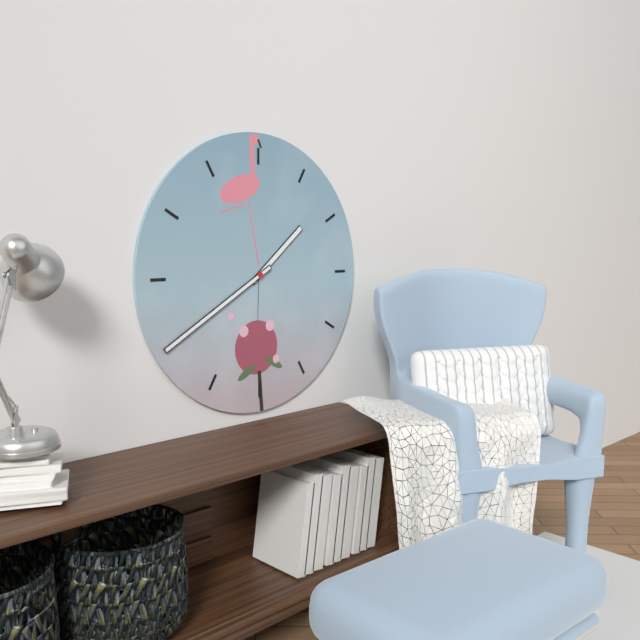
1:40
